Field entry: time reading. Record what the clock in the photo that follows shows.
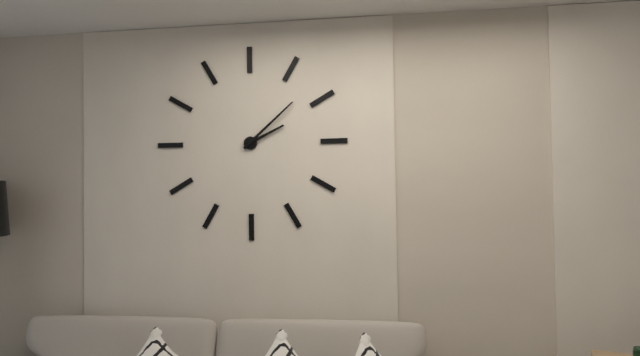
2:08
